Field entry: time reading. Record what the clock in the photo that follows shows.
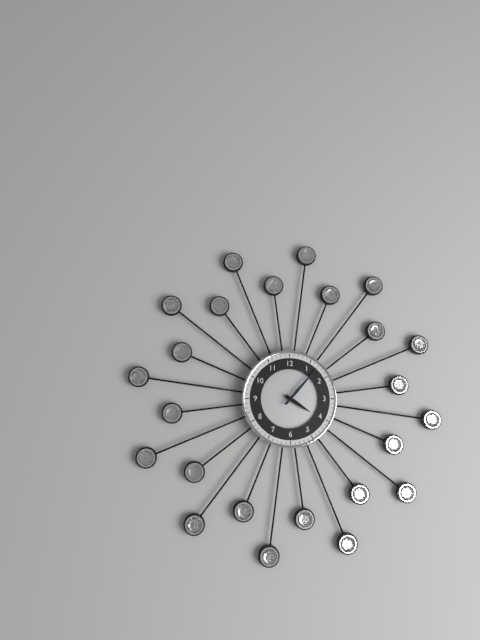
4:07
